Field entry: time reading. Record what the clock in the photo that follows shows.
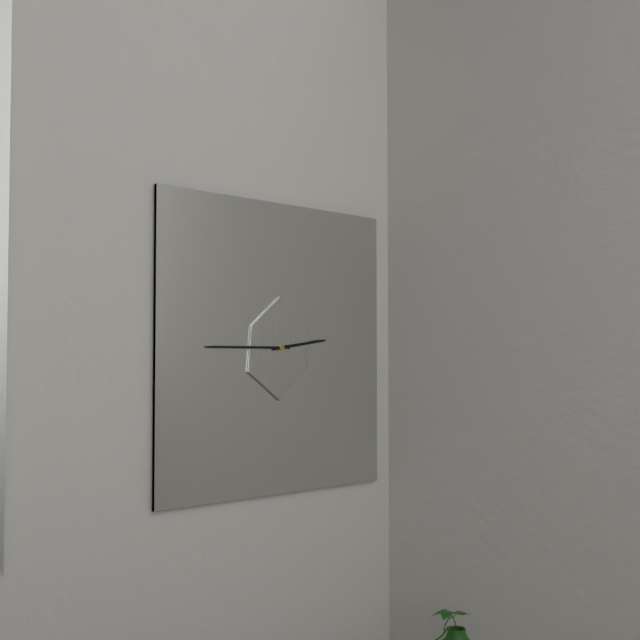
2:45
